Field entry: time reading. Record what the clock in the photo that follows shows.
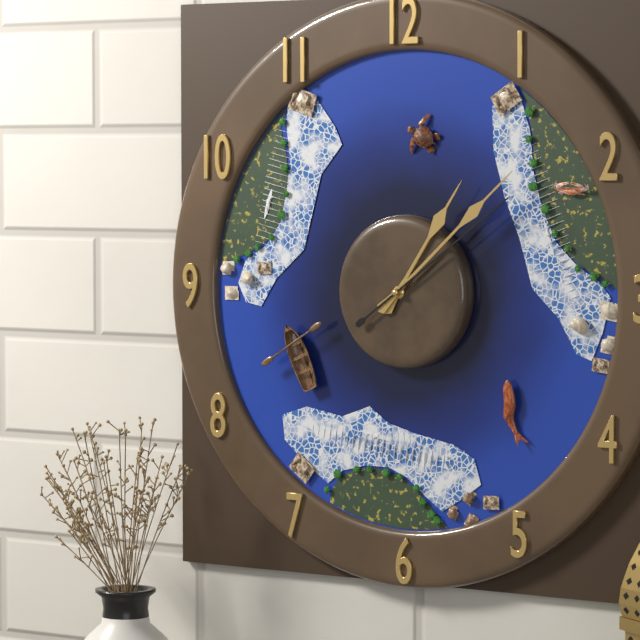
1:08:09
